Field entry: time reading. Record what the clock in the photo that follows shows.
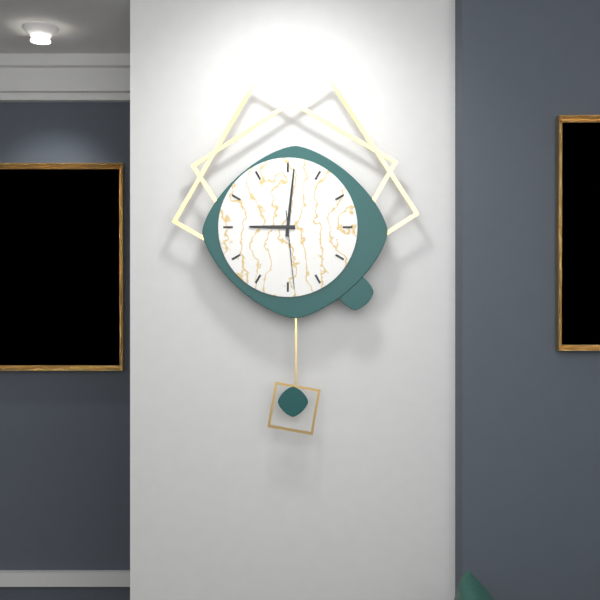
9:01:29
